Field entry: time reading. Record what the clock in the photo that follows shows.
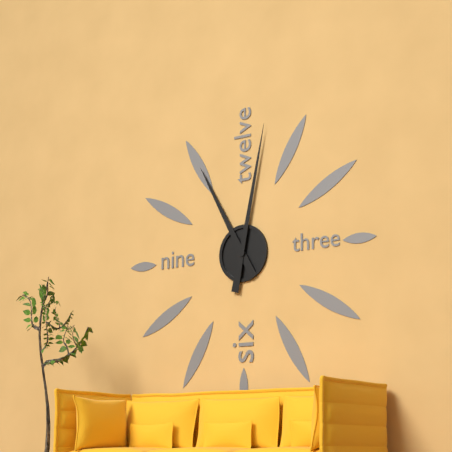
11:02
